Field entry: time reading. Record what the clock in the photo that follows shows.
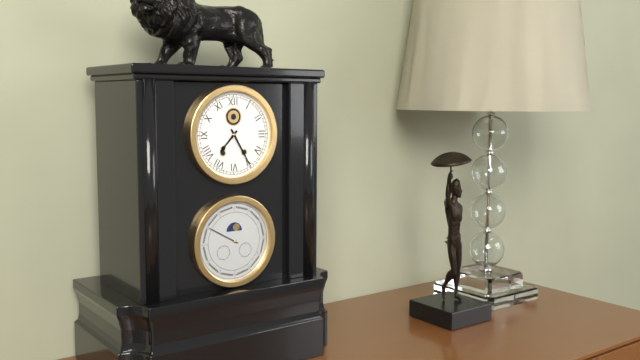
7:25
